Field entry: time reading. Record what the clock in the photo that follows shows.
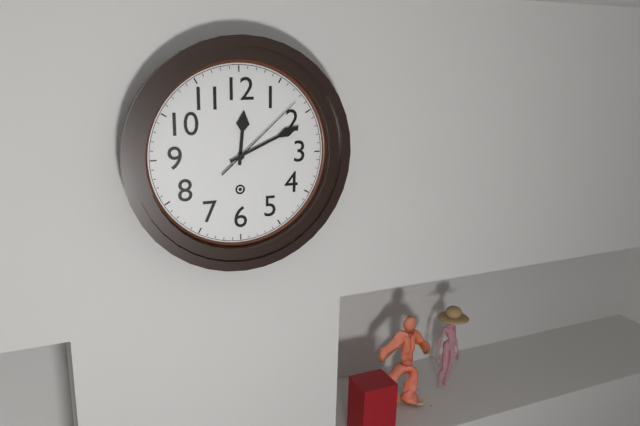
12:11:08
